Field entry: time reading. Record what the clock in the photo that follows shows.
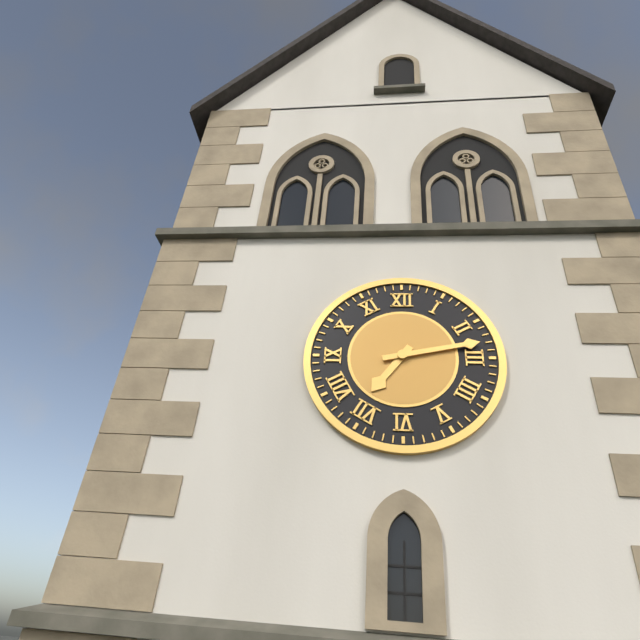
7:13
